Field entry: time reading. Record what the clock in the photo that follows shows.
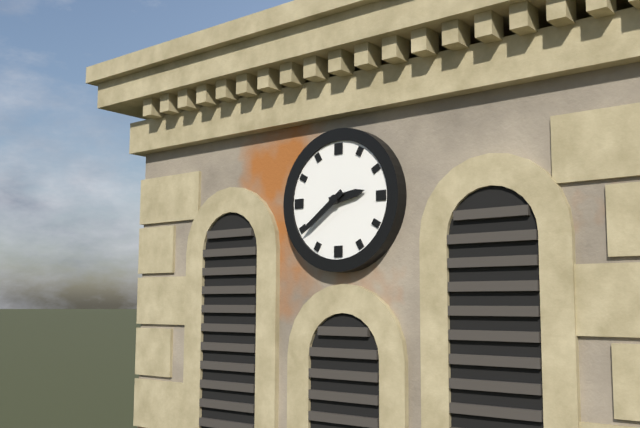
2:39
